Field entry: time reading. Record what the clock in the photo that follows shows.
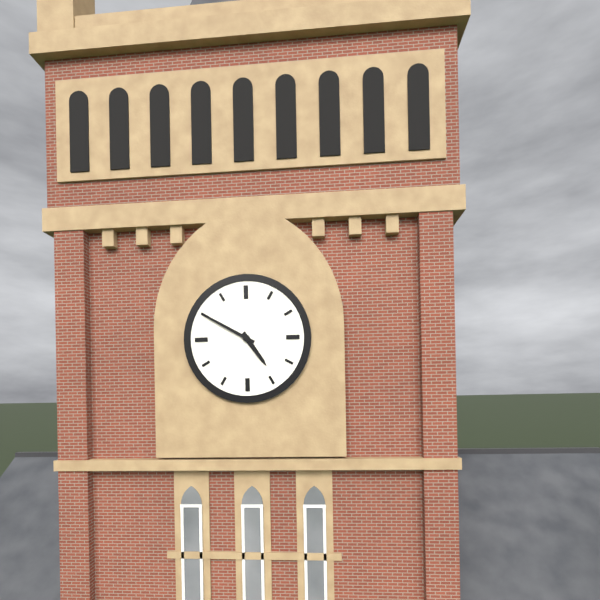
4:50
